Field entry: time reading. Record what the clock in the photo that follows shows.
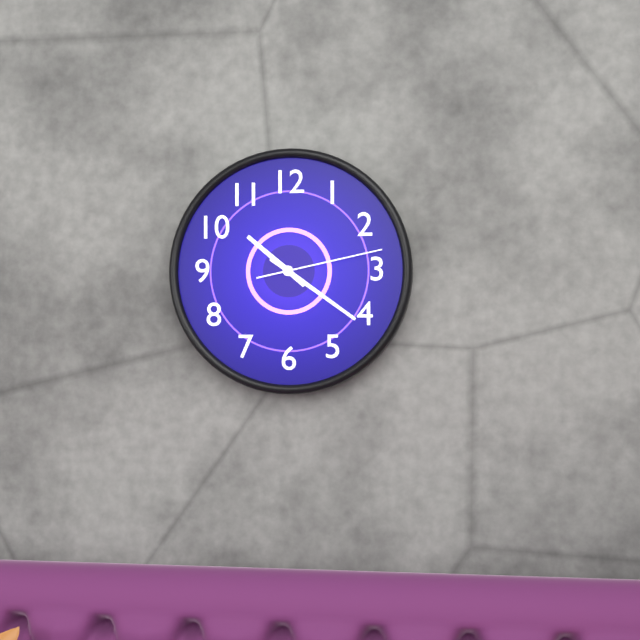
10:21:13
